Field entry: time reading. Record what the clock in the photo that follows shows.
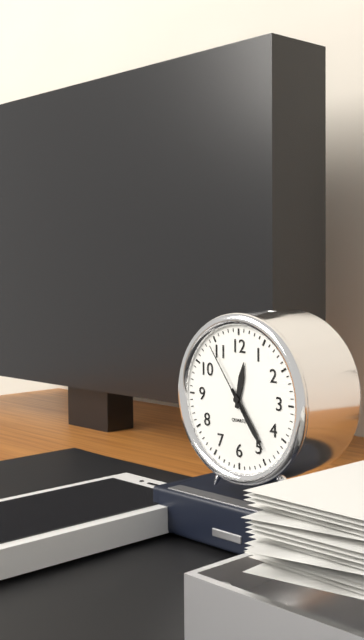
12:24:54
